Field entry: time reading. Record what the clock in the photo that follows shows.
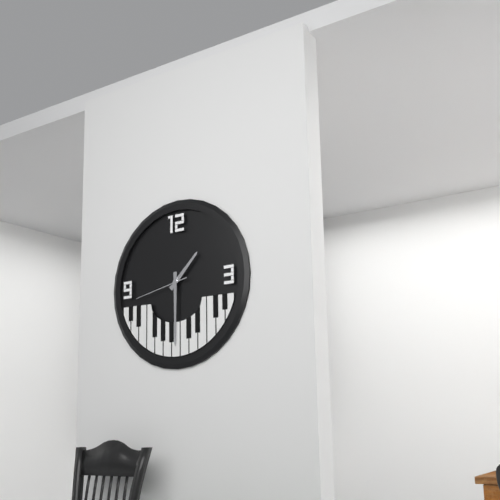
1:30:43
